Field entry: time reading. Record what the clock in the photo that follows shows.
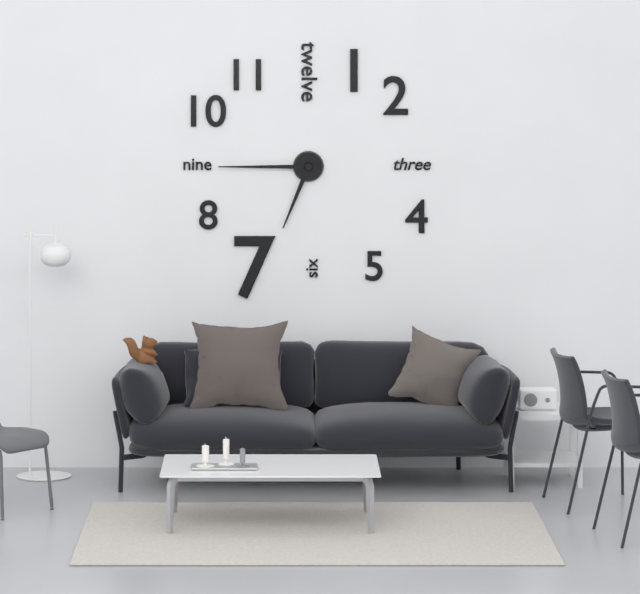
6:45
